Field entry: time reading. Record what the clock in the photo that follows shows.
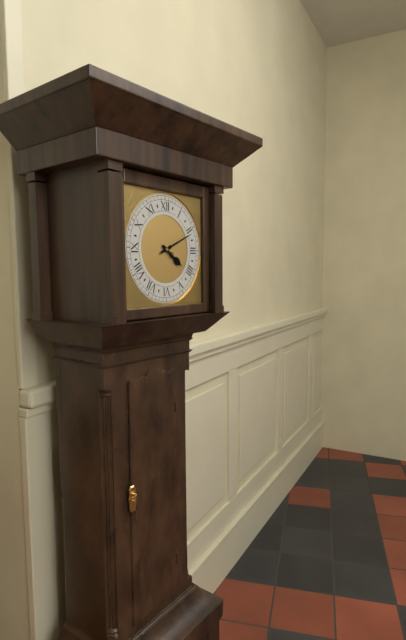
4:11
